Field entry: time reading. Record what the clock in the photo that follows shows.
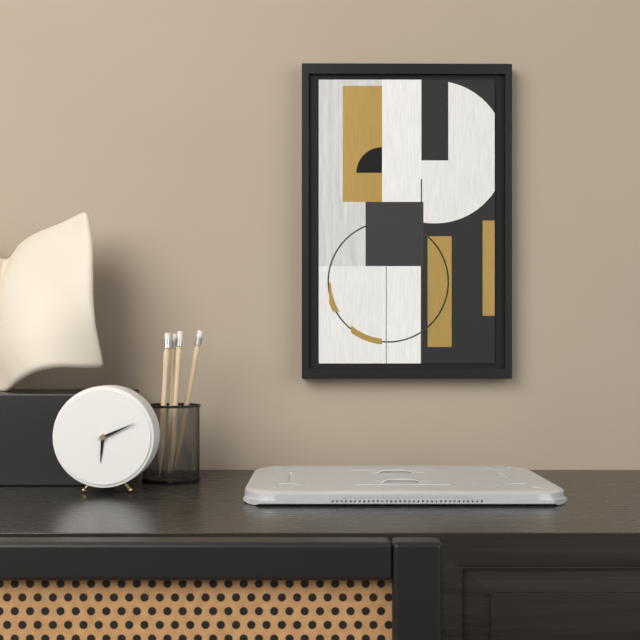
6:11
